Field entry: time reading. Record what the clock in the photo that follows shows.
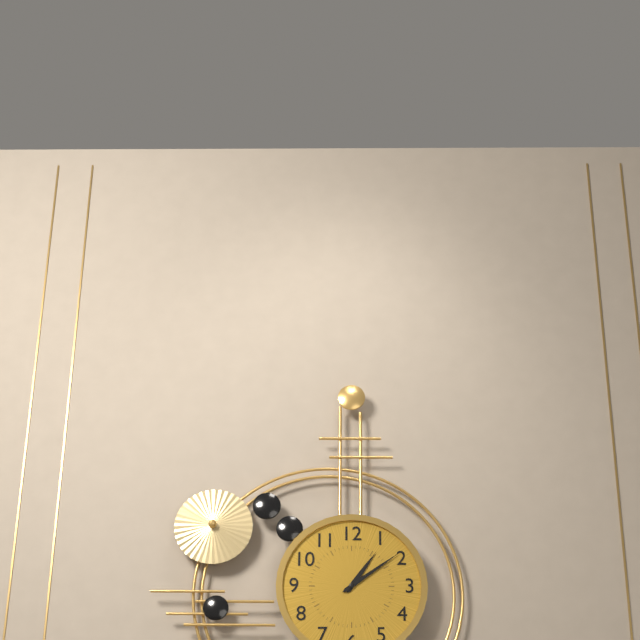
1:09
